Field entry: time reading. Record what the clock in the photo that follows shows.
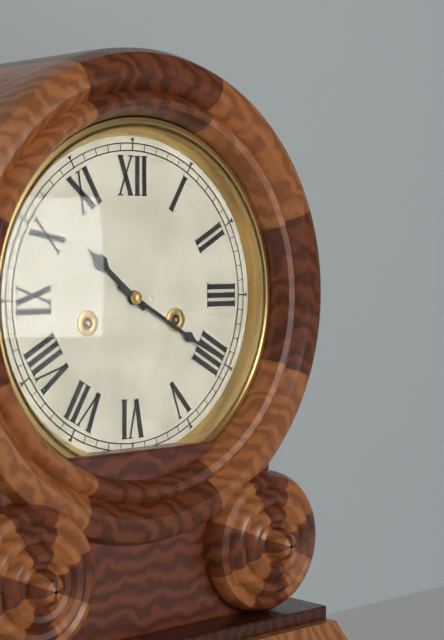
10:20
